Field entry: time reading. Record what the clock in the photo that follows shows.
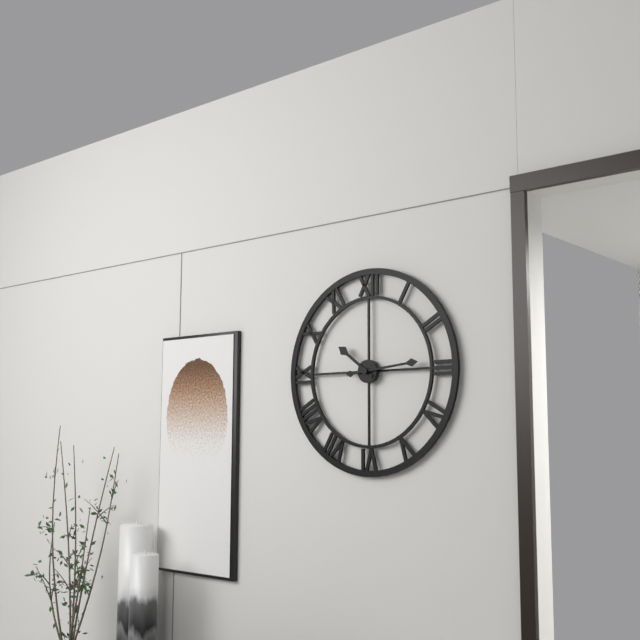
10:14
